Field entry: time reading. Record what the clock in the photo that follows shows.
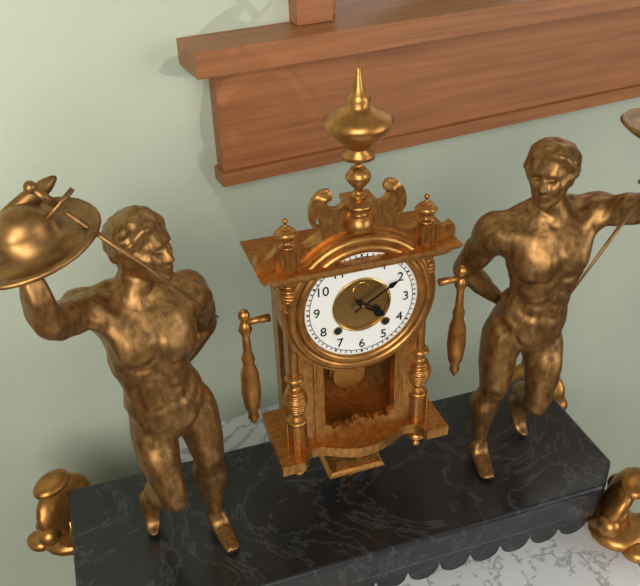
4:10
